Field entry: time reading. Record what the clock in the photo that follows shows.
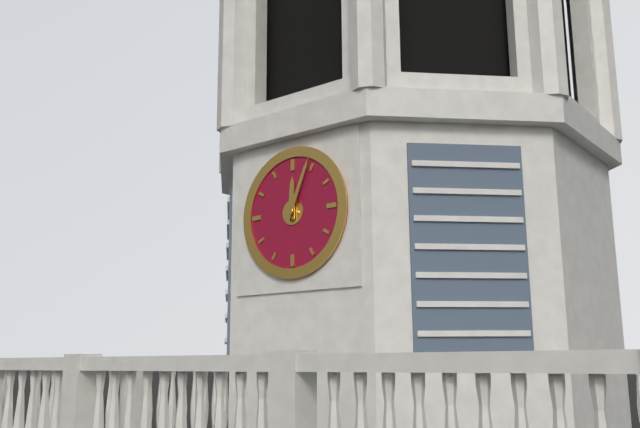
12:04
